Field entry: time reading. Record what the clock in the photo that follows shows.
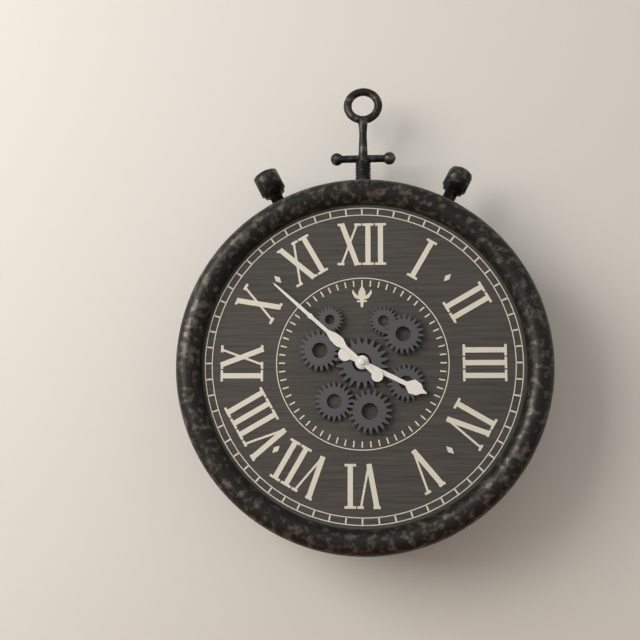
3:52
